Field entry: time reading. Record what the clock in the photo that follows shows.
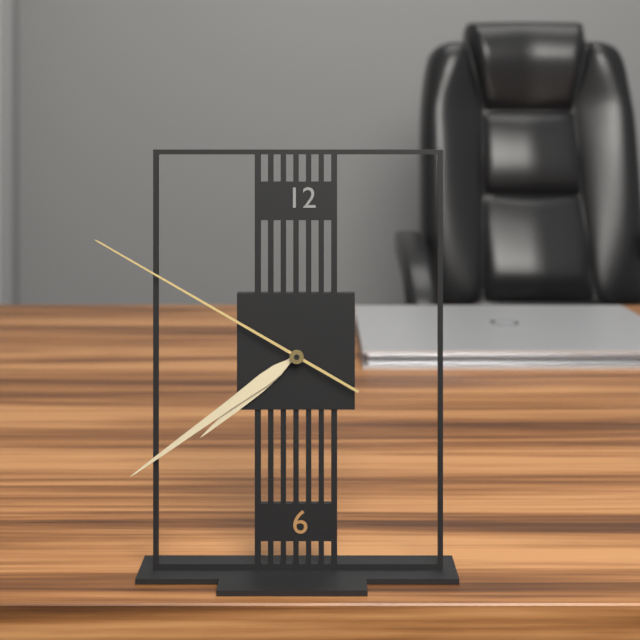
7:39:50
